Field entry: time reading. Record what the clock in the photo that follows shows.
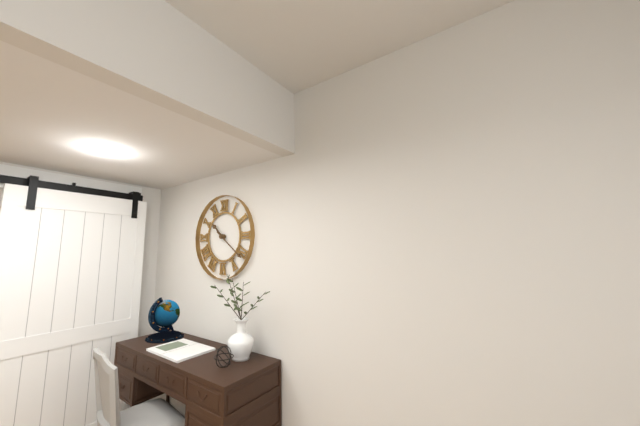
10:21
